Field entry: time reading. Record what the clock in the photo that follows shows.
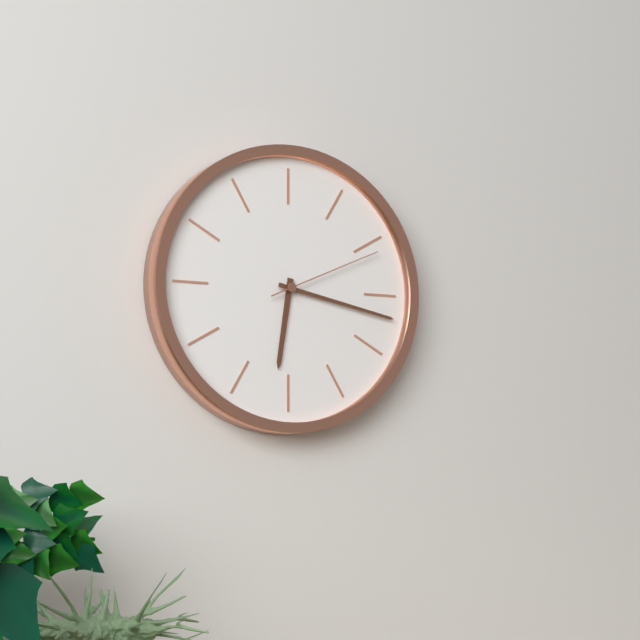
6:17:11
